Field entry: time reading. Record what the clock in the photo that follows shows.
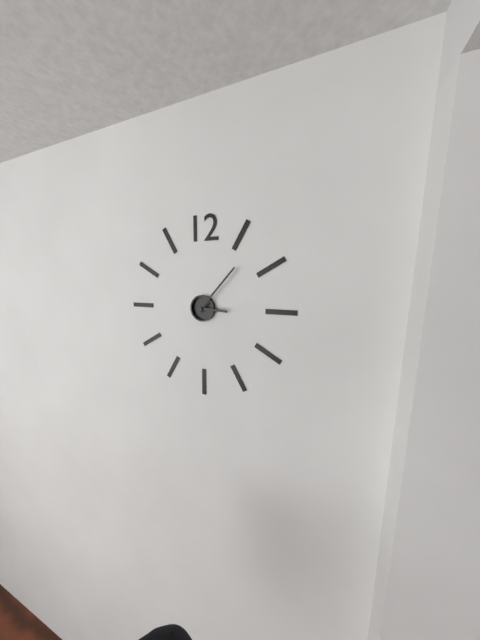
3:07
